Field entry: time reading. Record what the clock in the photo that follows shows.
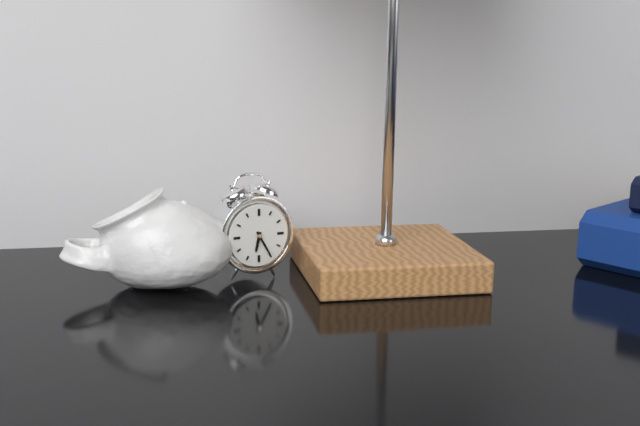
6:25
